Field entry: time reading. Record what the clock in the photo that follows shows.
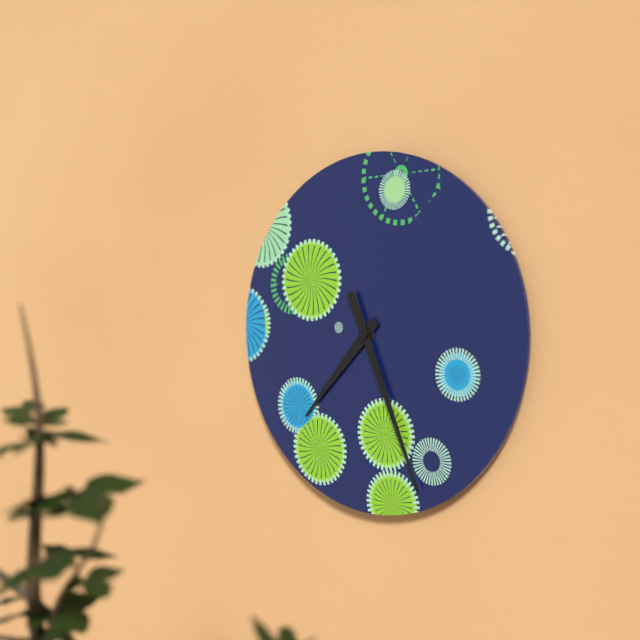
7:26
